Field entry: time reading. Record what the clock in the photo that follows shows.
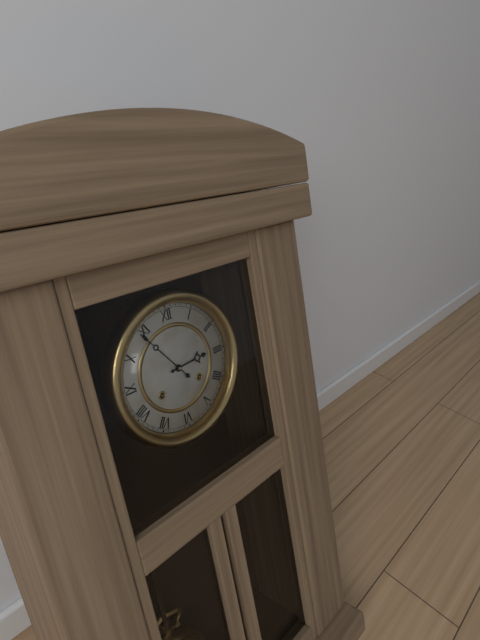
2:54
